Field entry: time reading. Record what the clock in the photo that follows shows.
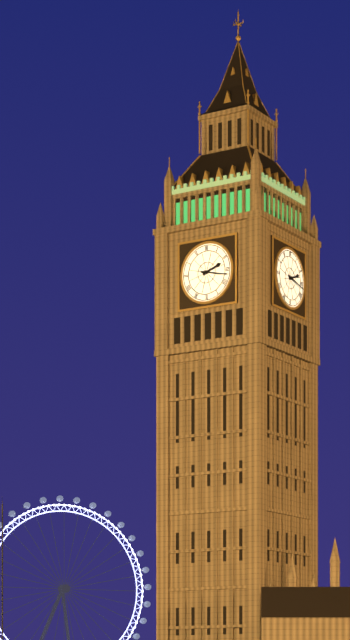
2:17
